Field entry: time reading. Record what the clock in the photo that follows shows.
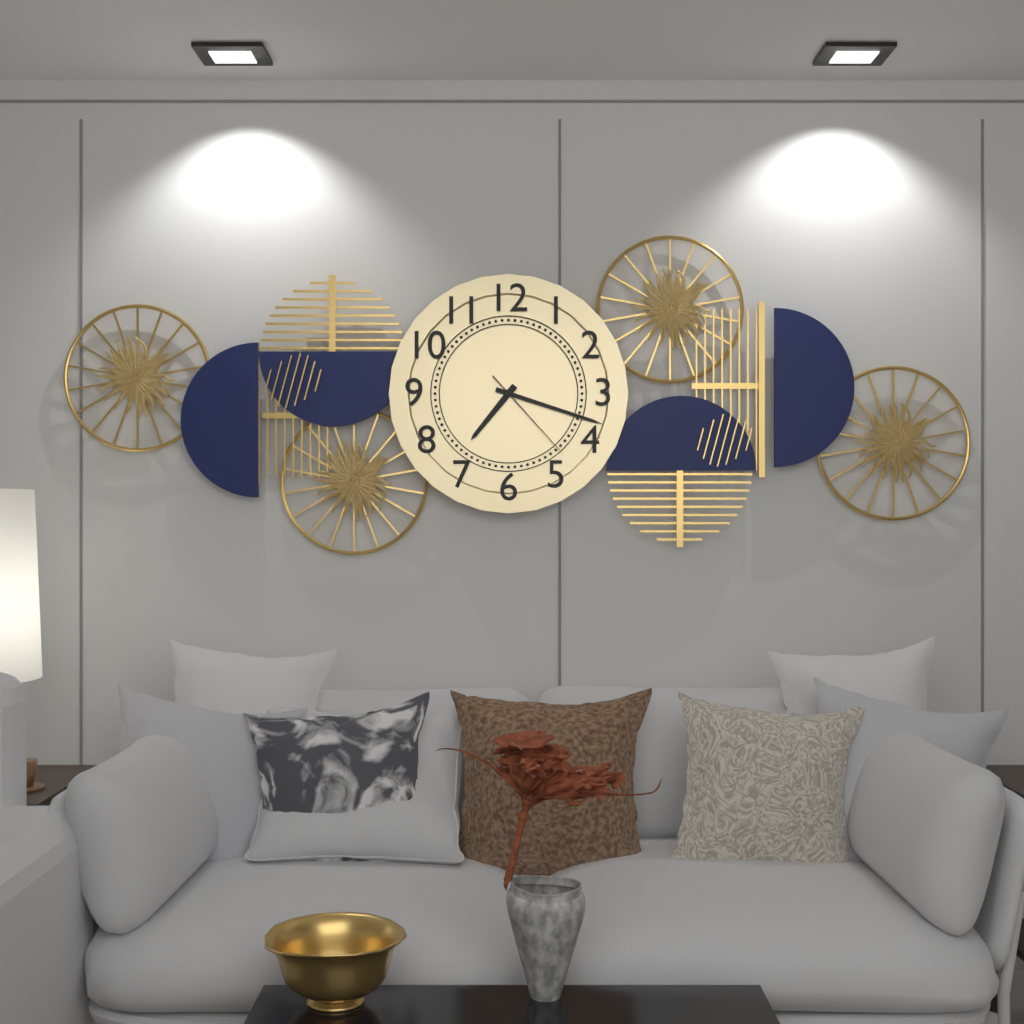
7:18:23
